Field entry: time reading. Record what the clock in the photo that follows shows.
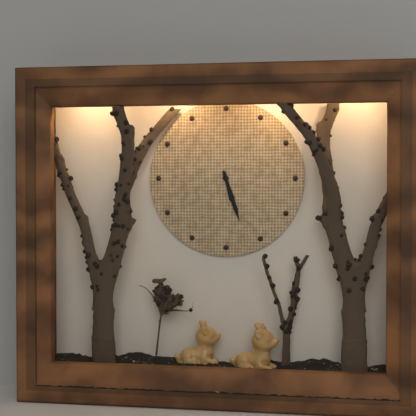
5:27
